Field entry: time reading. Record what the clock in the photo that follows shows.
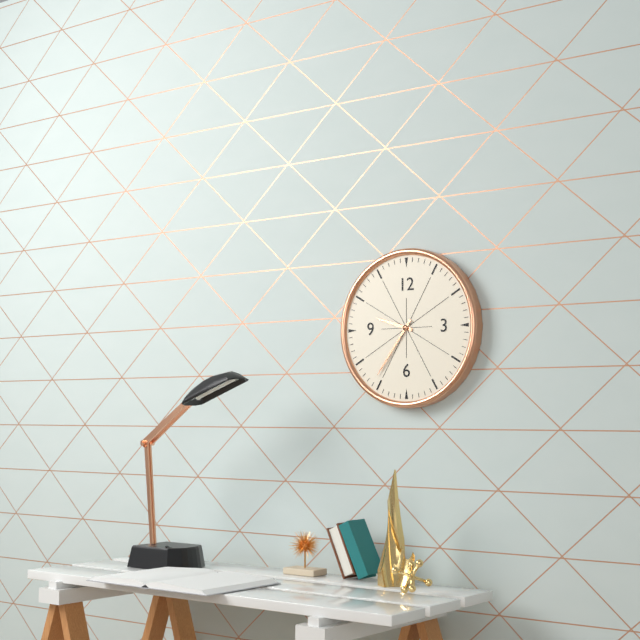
9:36
